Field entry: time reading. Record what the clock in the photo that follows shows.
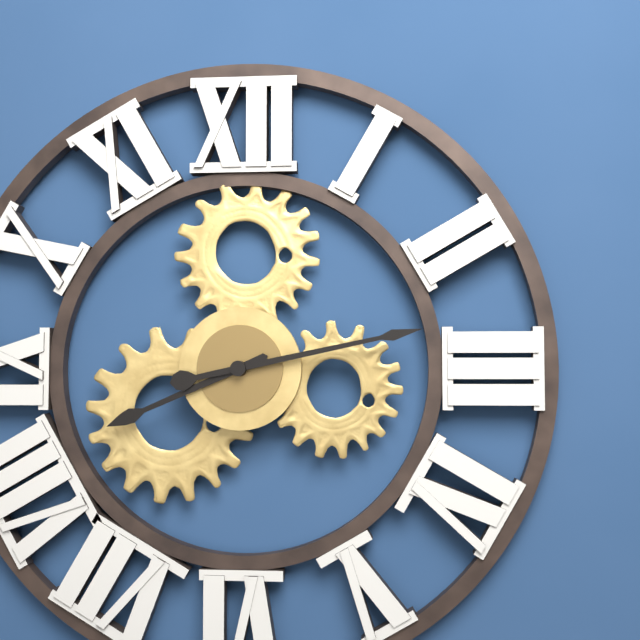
8:13
